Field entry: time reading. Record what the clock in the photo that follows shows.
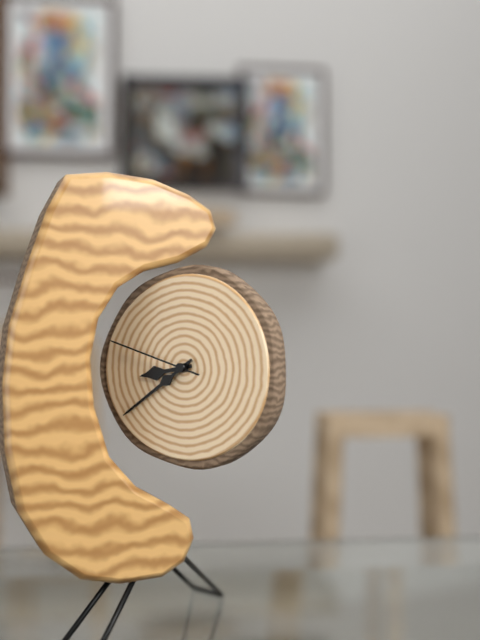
8:39:48
